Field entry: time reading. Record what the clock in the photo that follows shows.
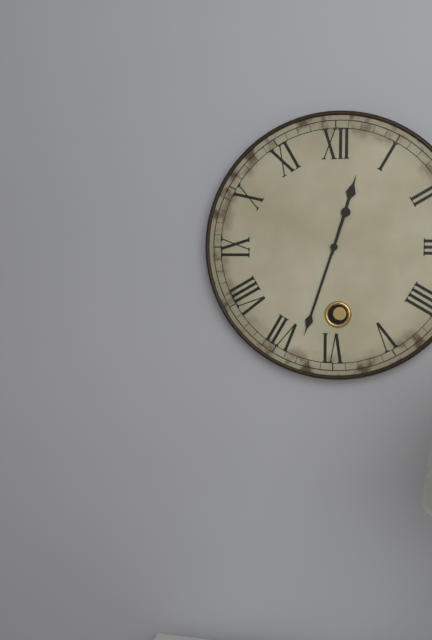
12:33
